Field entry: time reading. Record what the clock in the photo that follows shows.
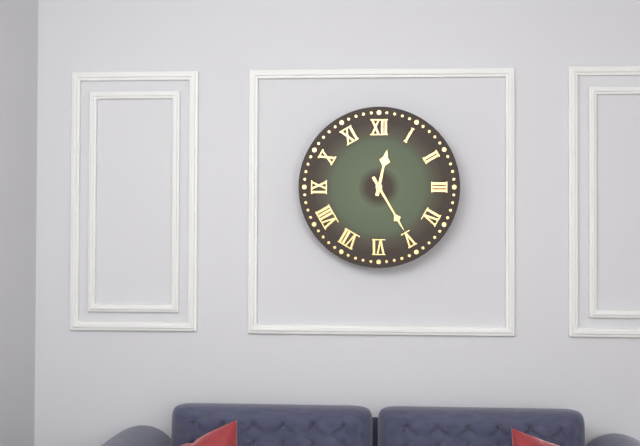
12:25
